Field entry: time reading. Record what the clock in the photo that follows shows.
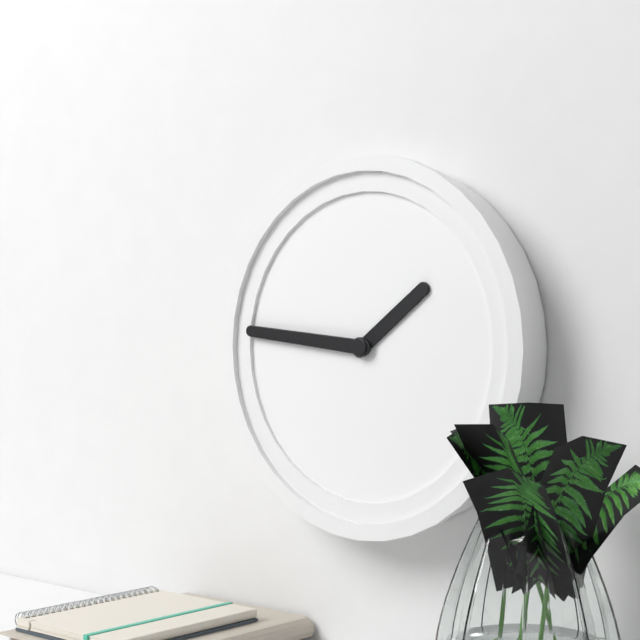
1:46
